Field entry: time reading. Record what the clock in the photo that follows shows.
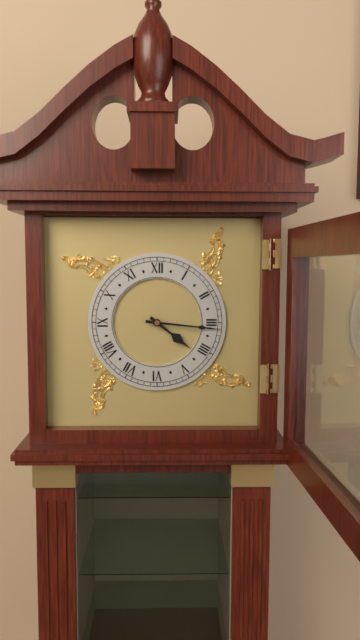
4:16
